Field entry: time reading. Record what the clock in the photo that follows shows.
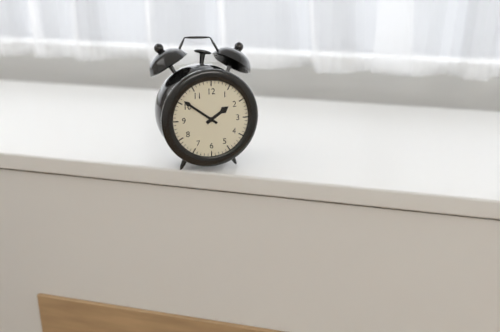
1:51
